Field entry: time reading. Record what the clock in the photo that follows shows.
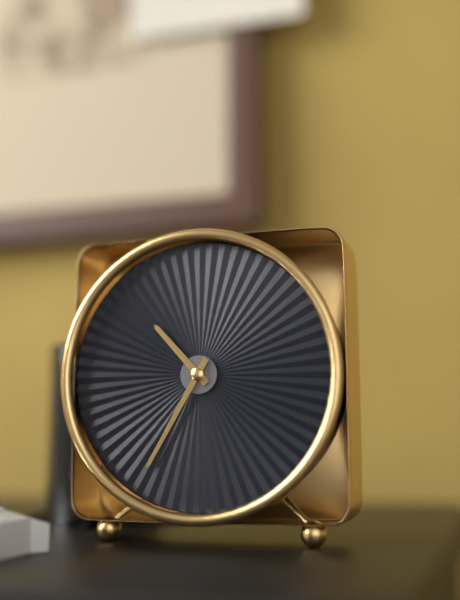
10:35
